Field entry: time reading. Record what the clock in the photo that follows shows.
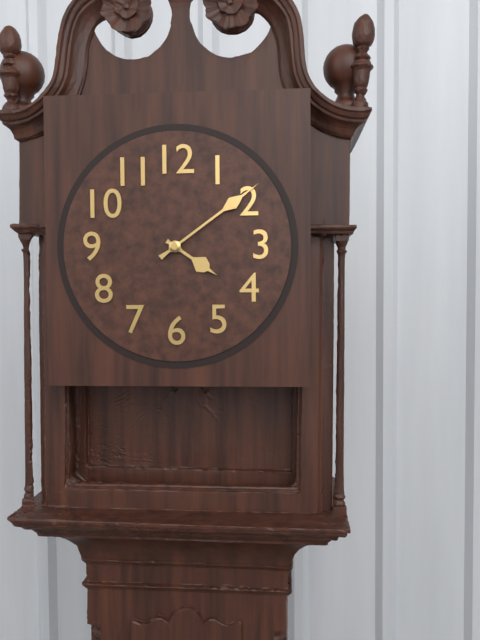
4:09
